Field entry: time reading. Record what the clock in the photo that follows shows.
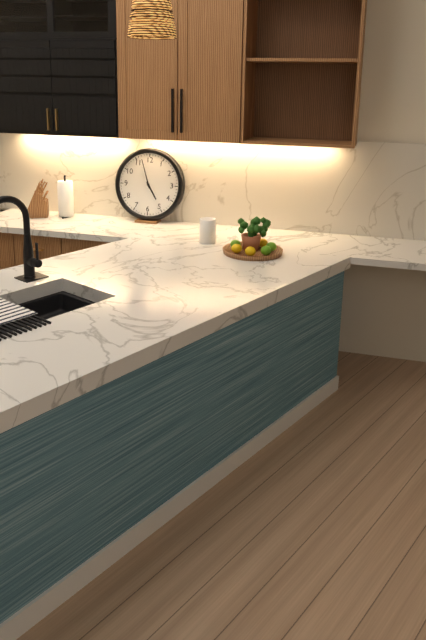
4:57
